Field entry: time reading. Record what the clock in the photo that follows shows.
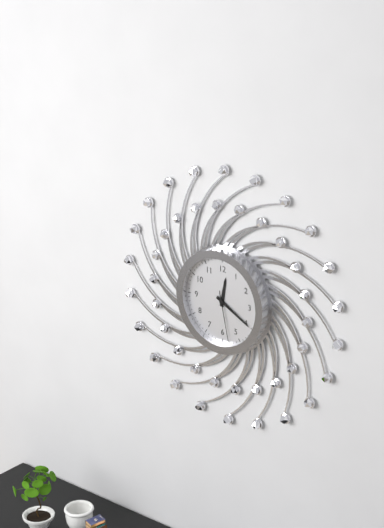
12:20:28
